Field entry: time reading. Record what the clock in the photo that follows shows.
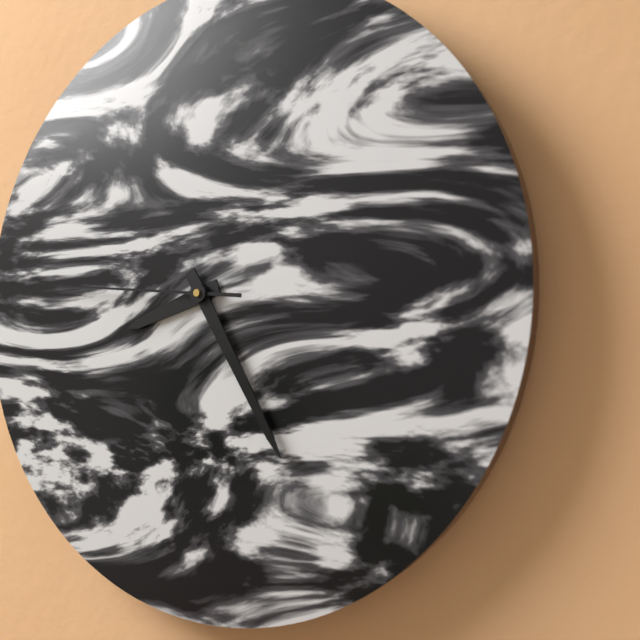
8:25:46
